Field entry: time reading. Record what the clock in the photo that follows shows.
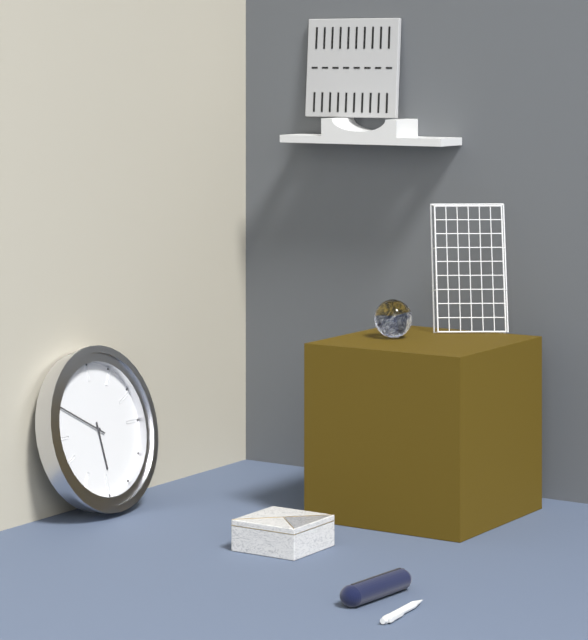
5:50
